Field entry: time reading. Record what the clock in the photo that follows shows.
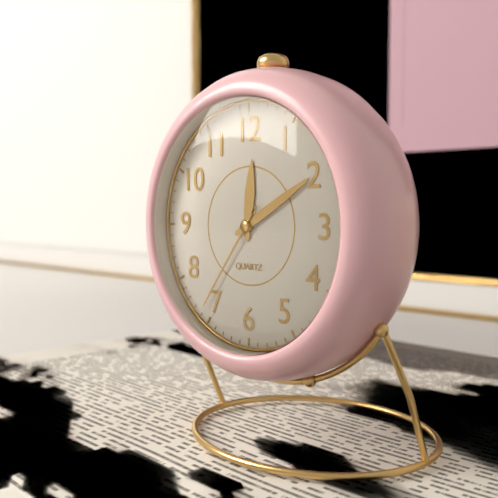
12:10:36
